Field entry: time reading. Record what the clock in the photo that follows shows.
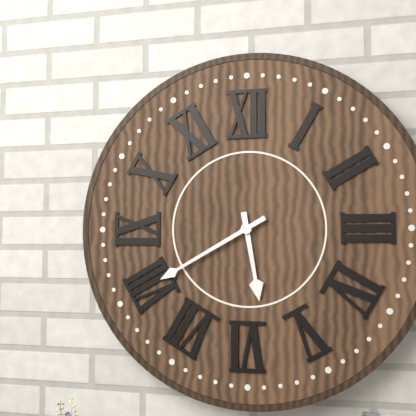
5:40
